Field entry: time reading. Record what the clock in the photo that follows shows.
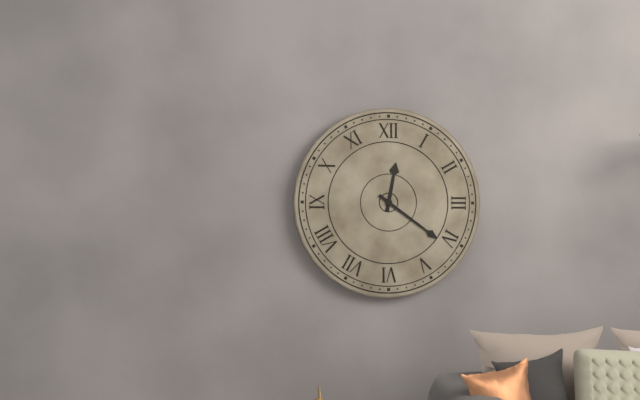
12:21
